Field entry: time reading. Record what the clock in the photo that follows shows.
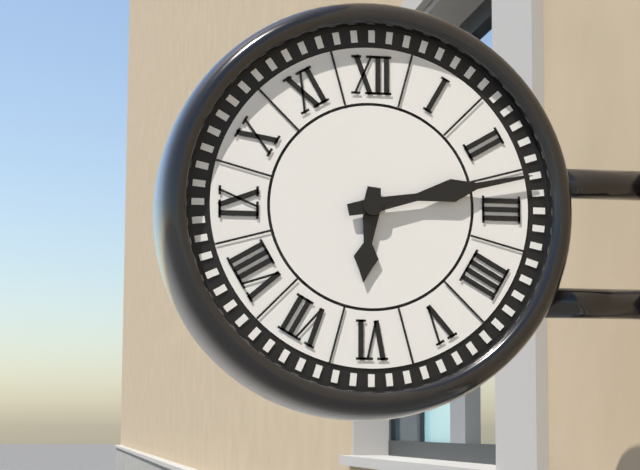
6:13
